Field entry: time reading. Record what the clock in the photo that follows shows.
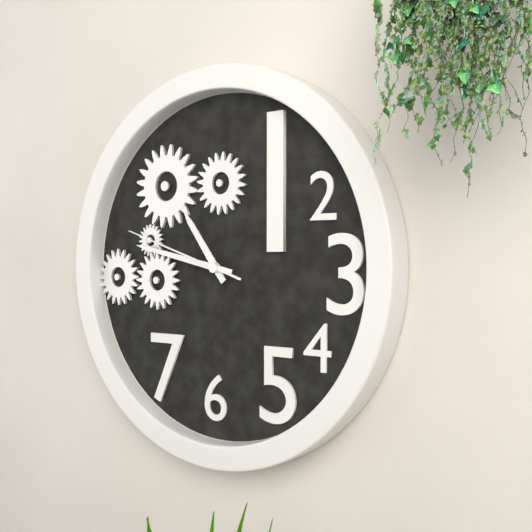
10:47:48
